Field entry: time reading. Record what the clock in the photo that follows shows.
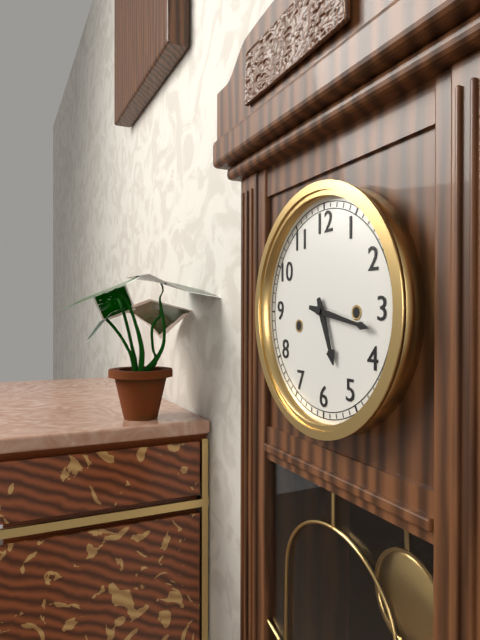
5:17
